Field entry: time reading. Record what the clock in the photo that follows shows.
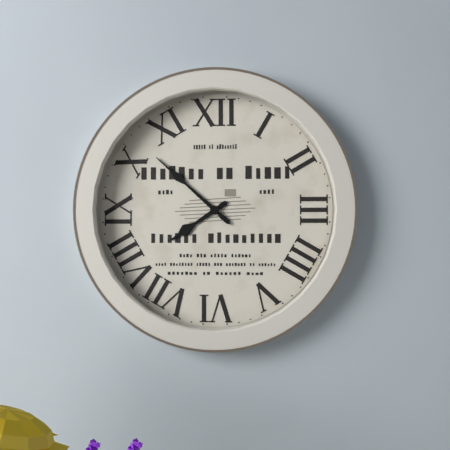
7:52
